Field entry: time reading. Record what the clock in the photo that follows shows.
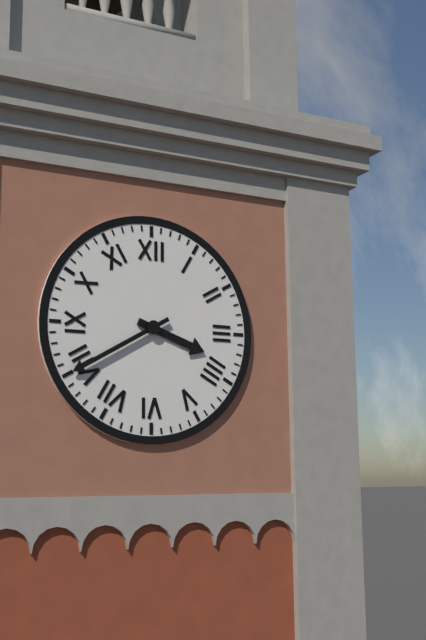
3:40
